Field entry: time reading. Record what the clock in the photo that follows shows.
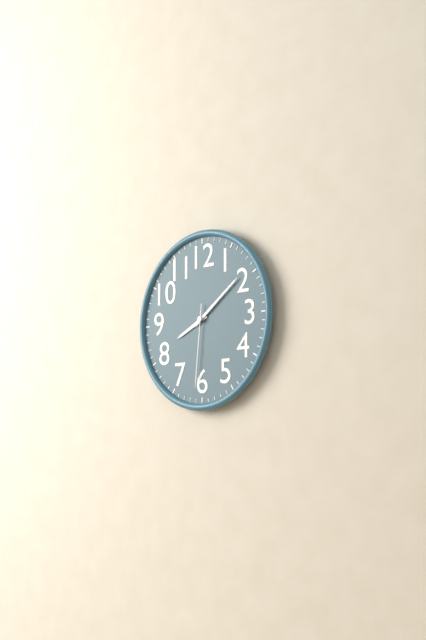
8:09:31
